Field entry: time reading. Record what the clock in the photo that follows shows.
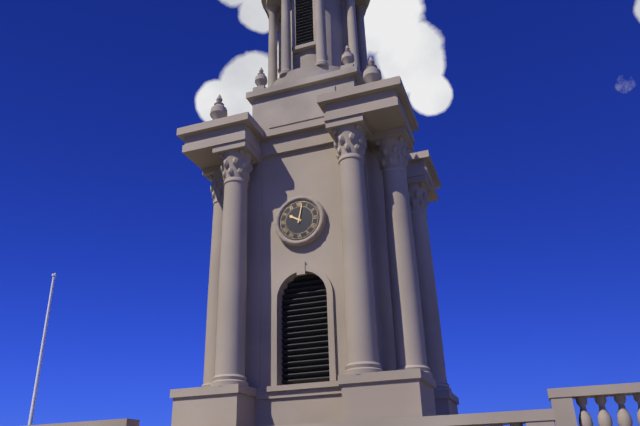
10:02
